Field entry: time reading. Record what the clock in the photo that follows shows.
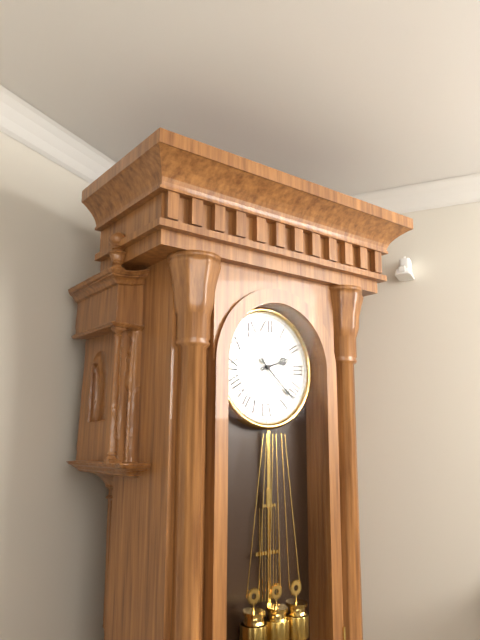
2:22
